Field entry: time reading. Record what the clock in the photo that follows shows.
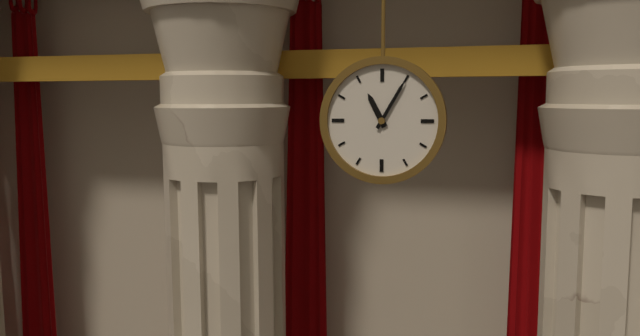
11:05
